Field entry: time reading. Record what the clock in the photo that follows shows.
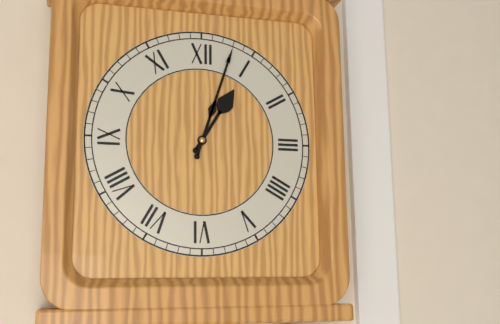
1:03
